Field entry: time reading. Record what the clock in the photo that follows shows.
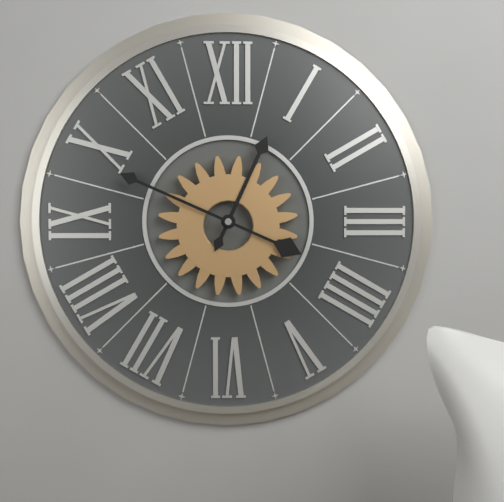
12:49
